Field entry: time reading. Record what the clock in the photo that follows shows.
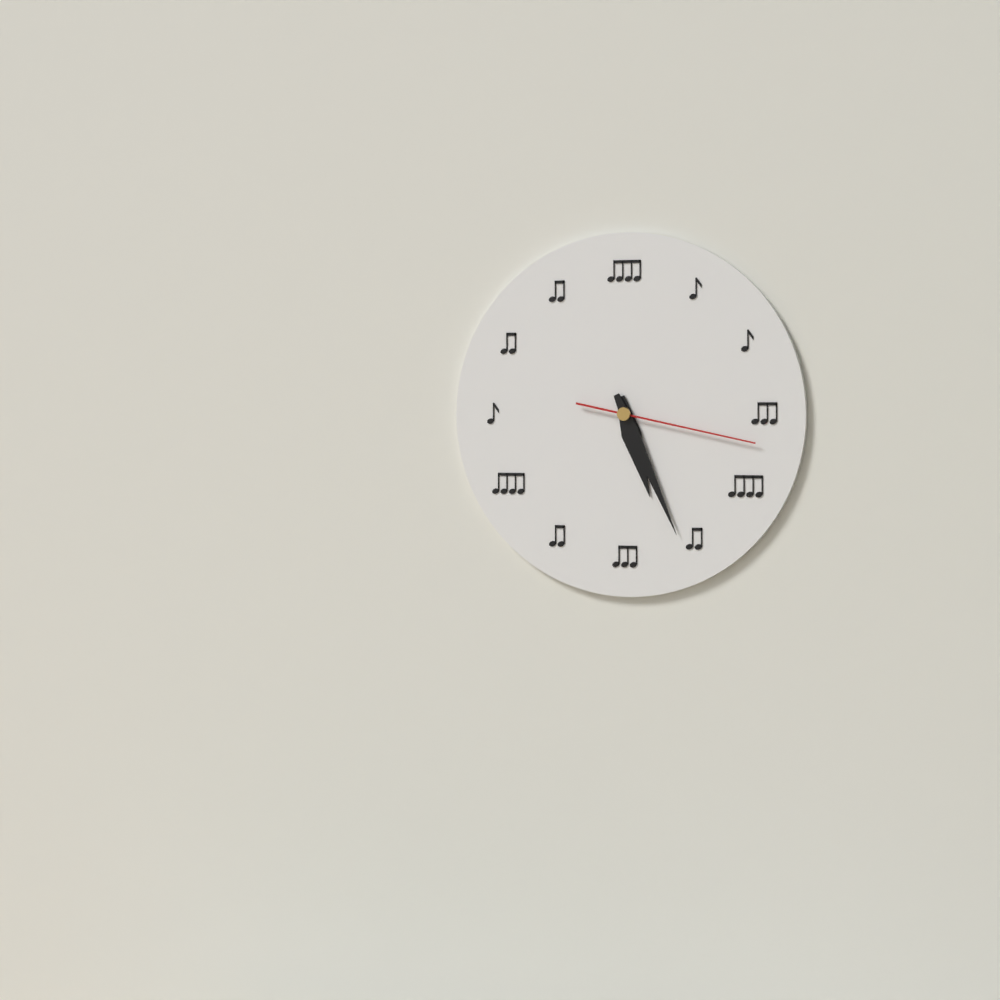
5:26:17
